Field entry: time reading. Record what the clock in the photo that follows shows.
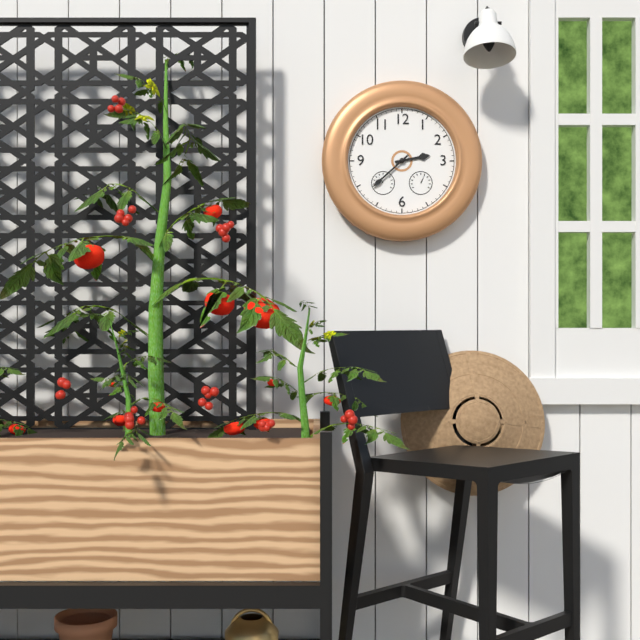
2:38
